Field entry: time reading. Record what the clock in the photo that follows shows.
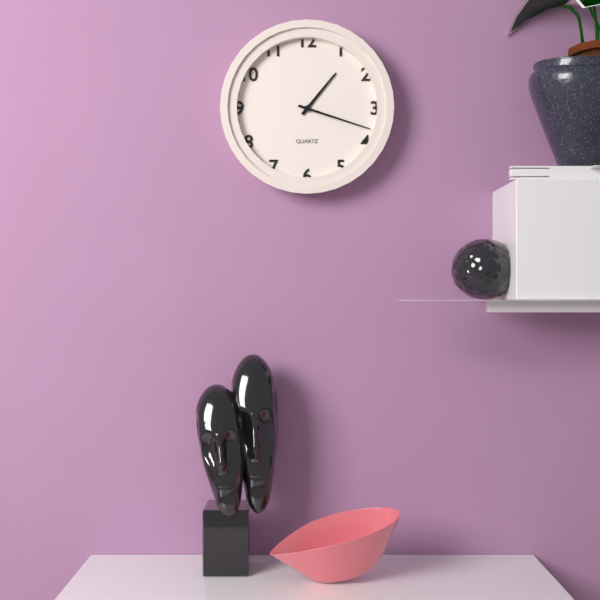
1:18
